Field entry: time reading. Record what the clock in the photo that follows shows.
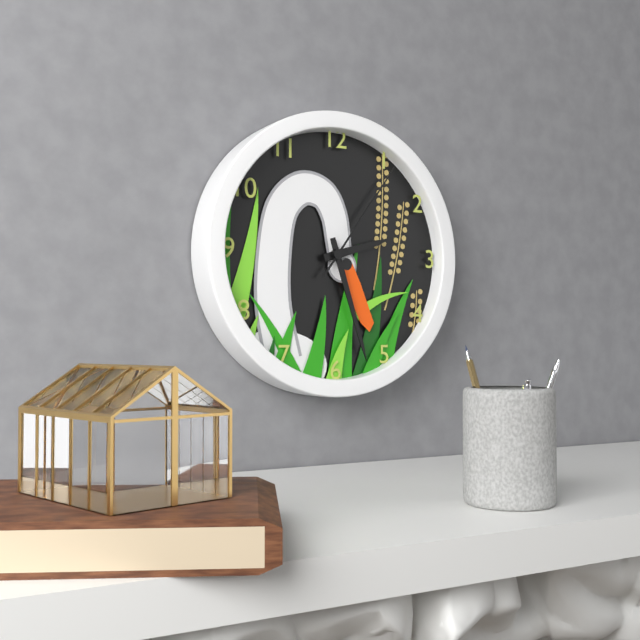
2:27:06
